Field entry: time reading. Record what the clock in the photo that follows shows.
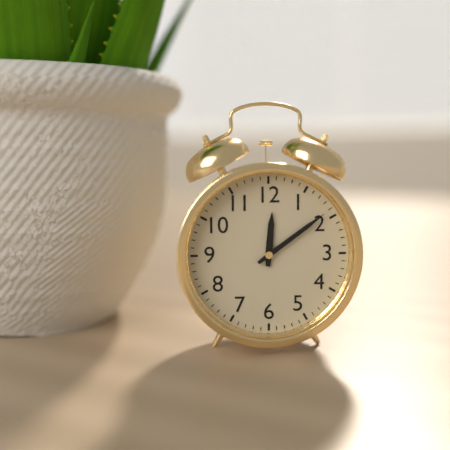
12:09
